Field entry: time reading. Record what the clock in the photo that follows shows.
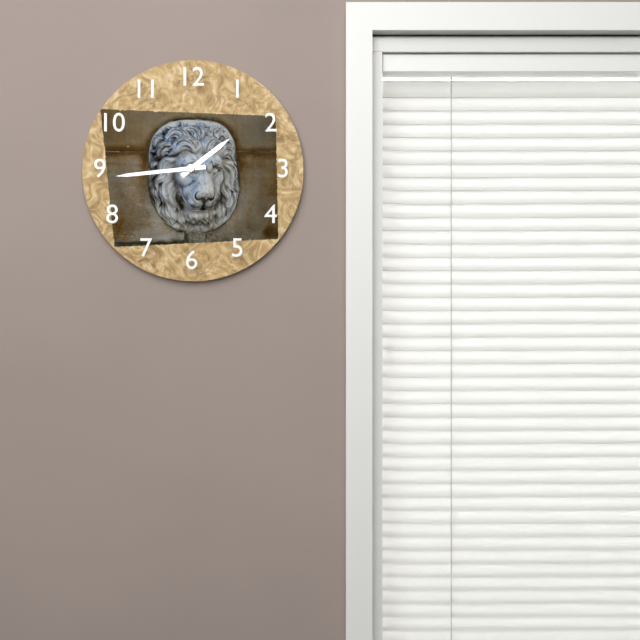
1:44
